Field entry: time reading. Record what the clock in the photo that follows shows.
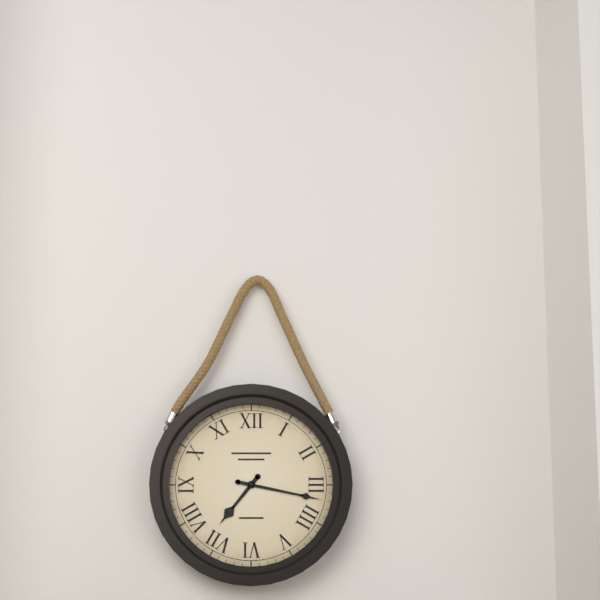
7:17
